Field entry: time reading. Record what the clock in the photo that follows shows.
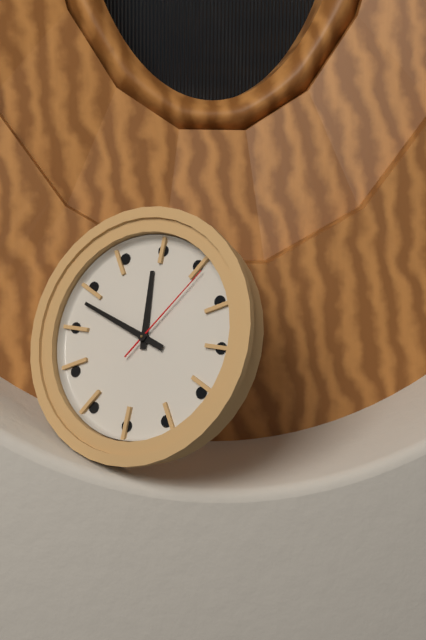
11:48:06
